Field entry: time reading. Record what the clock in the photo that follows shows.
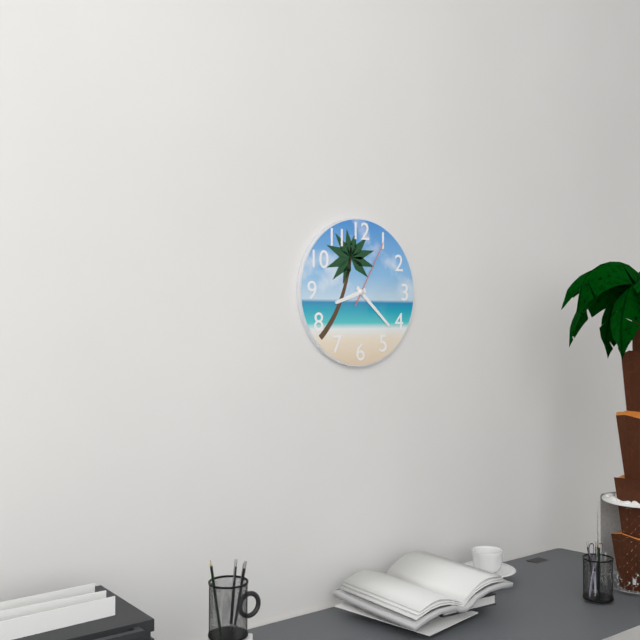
8:22:05
